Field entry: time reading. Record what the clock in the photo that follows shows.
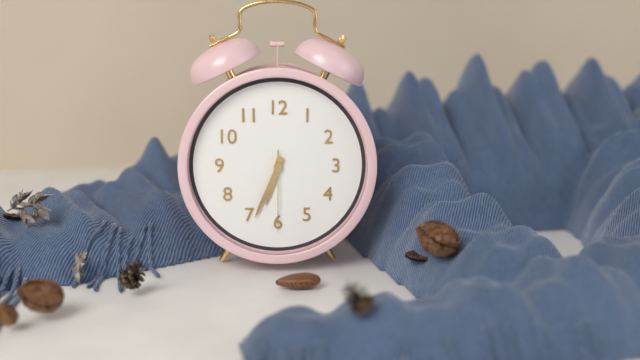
6:34:30
